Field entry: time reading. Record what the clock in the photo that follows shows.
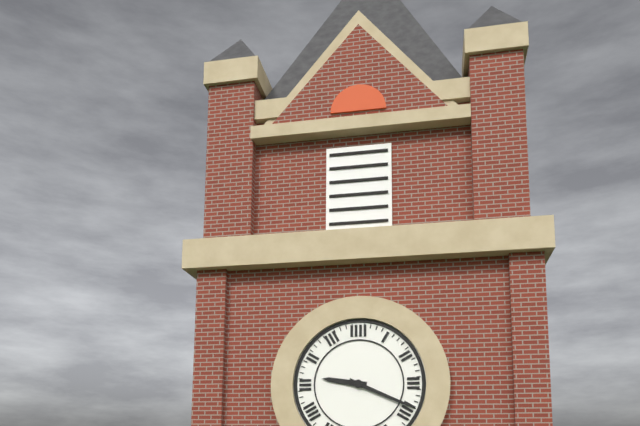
9:19
